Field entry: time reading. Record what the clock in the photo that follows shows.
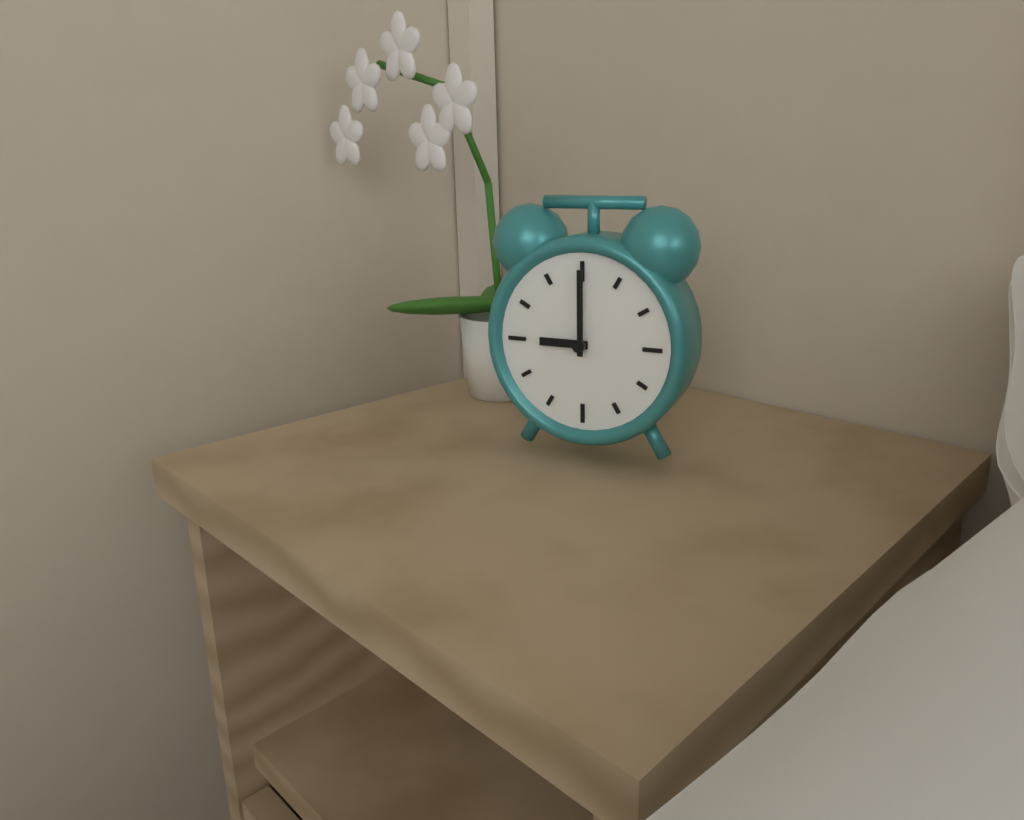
9:00
